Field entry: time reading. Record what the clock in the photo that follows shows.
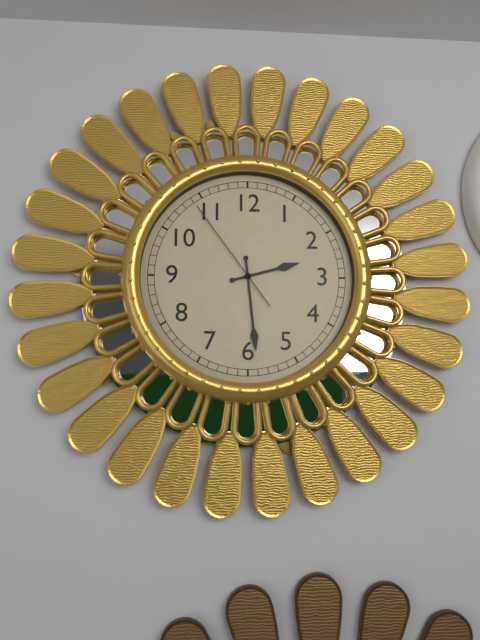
2:29:54
